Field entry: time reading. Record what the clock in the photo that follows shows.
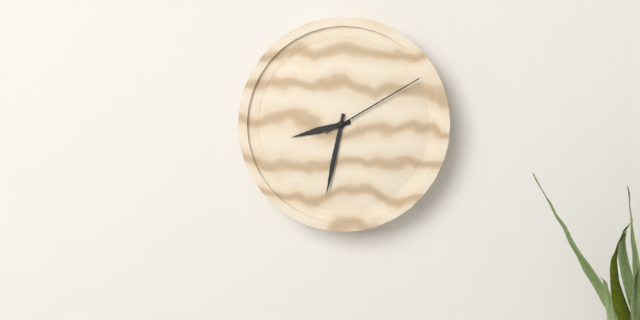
8:32:10
